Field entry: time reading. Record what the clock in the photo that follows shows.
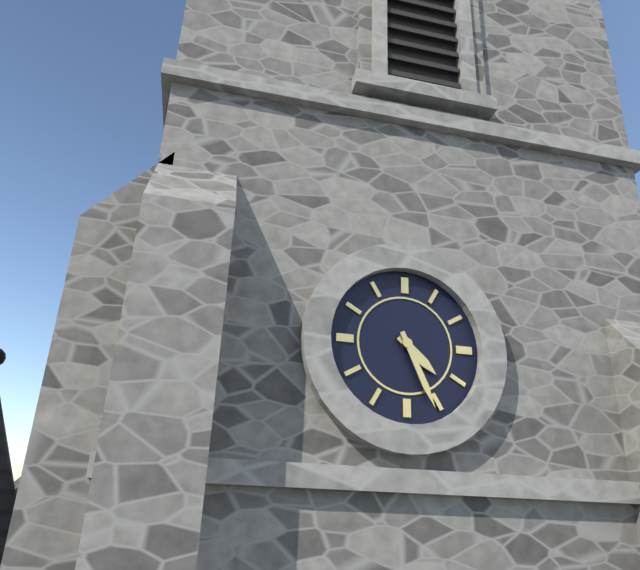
4:26
